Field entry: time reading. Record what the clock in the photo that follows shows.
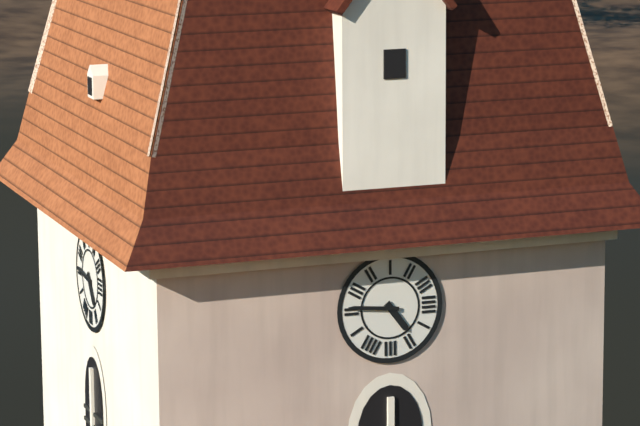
4:46
